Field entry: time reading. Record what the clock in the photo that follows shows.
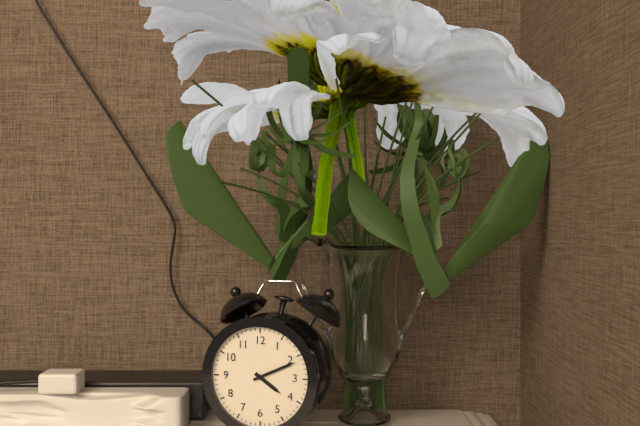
4:11
